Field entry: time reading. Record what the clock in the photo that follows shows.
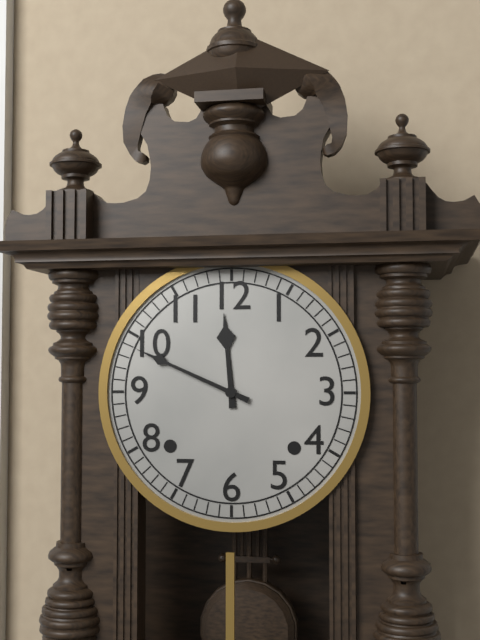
11:49
